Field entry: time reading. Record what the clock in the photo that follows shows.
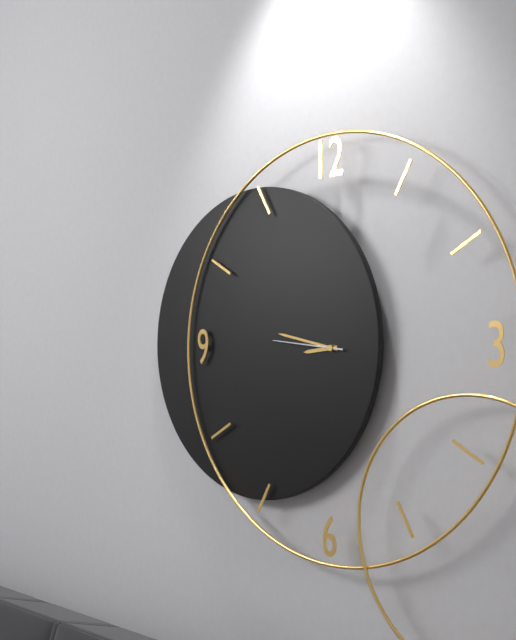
8:47:46
